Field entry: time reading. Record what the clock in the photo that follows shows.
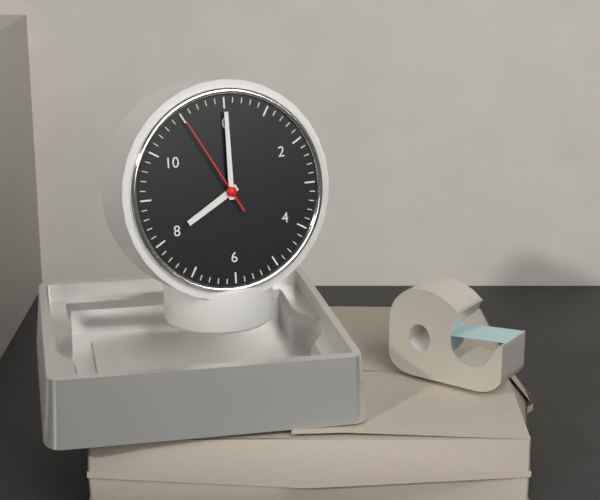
8:00:55
